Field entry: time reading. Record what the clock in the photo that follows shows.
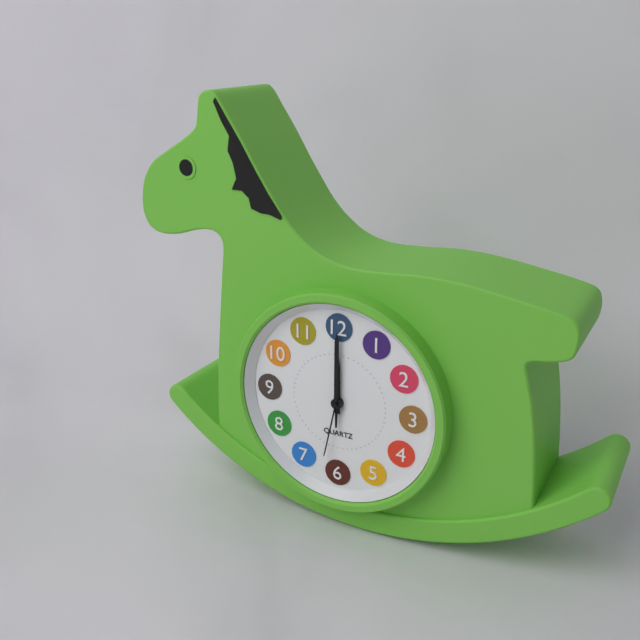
12:00:32
